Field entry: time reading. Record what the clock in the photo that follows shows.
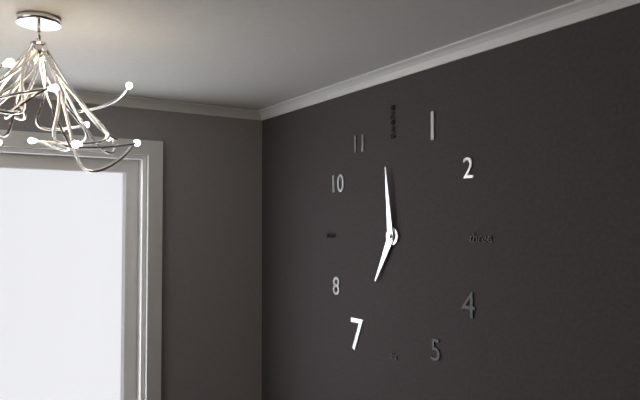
6:59
